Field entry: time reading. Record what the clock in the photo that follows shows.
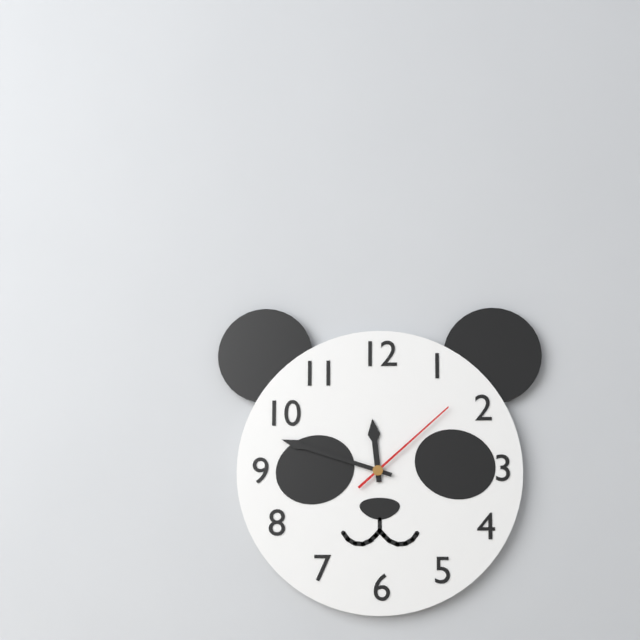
11:48:08
